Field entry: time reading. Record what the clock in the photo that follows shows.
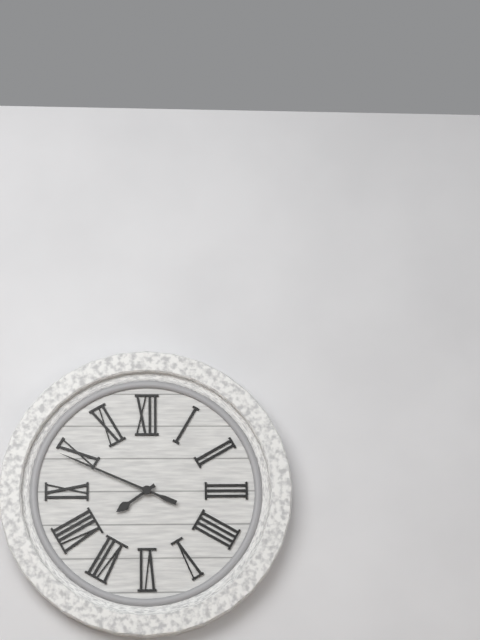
7:49
